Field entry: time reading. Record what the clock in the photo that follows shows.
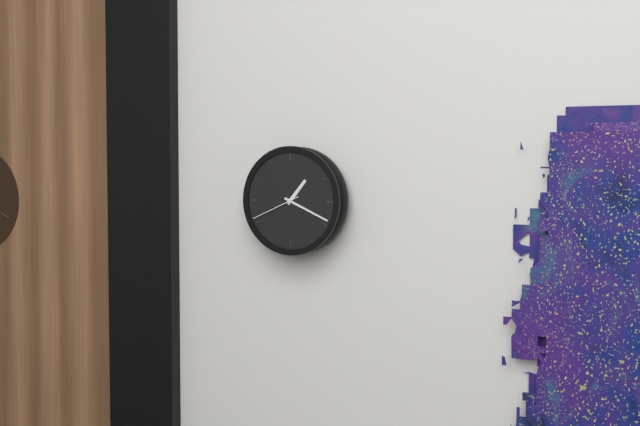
1:19:41
